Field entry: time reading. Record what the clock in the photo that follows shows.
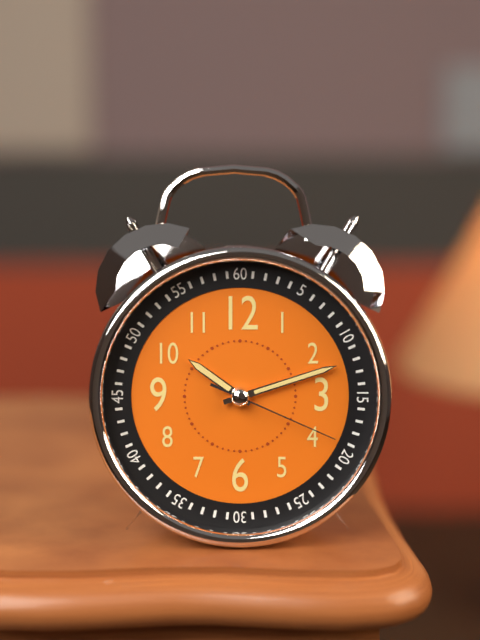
10:12:19
